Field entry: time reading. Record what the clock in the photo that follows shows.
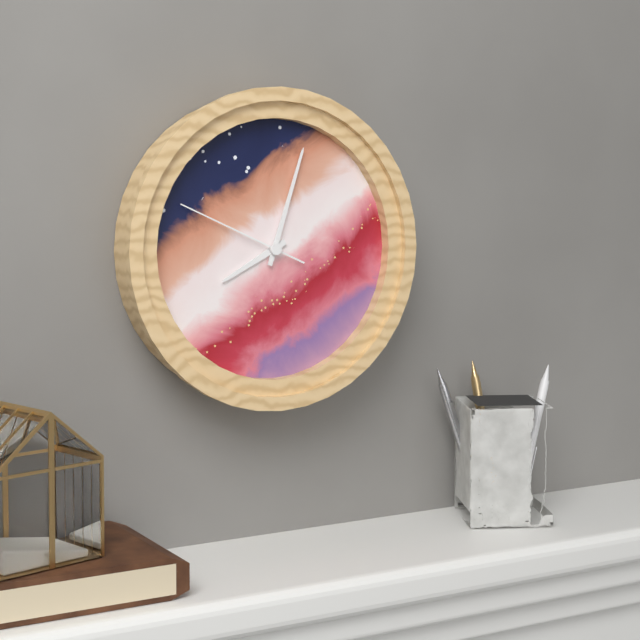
8:03:49
